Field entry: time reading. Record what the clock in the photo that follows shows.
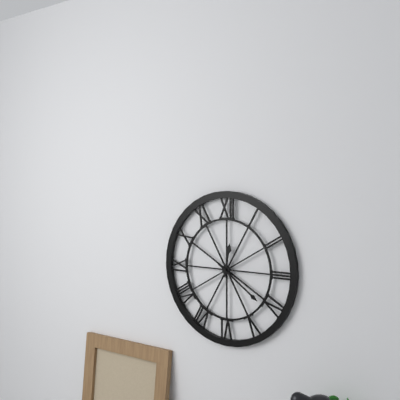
12:21
